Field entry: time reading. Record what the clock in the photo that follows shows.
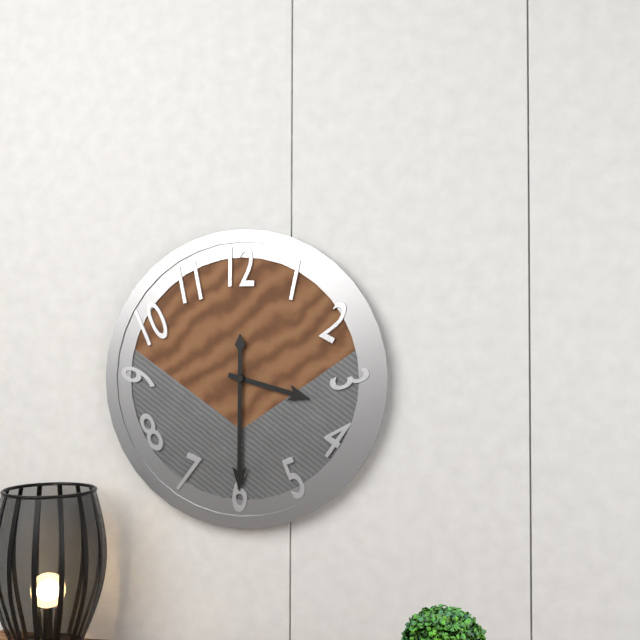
3:30
